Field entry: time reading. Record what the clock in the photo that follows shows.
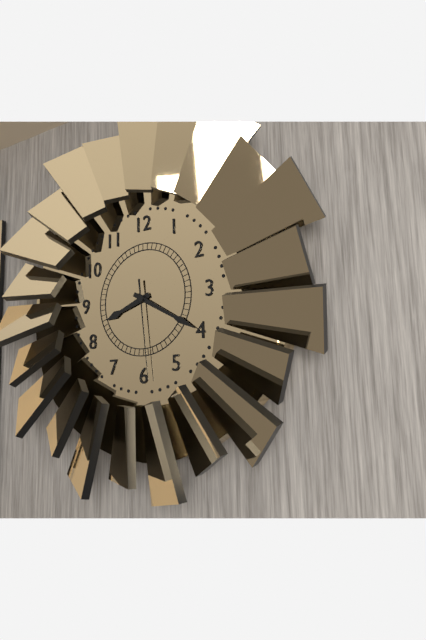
8:20:29
